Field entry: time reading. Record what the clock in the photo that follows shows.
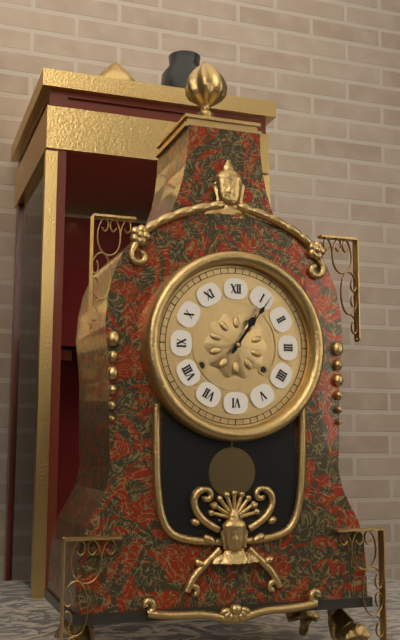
1:06
